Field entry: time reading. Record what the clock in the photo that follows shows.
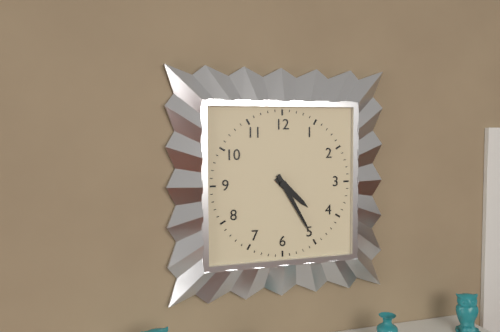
4:25
